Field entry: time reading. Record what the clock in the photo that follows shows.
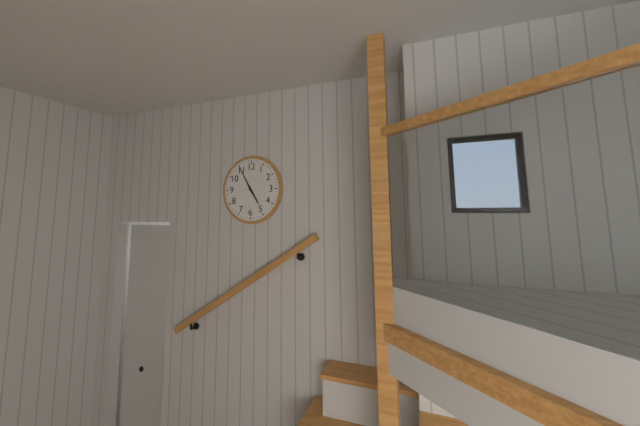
4:55
